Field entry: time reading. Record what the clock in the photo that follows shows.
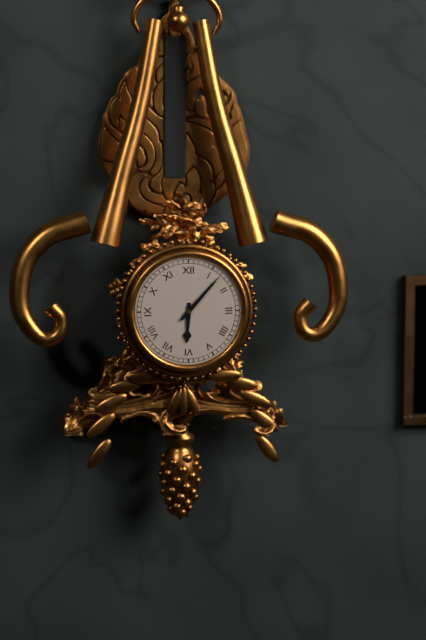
6:07
